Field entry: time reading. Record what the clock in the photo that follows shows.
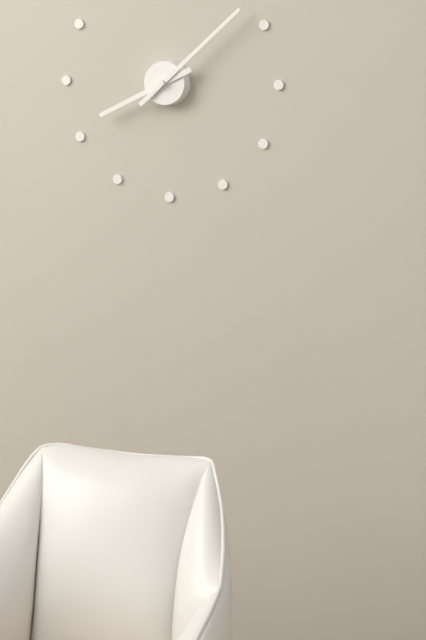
8:08
